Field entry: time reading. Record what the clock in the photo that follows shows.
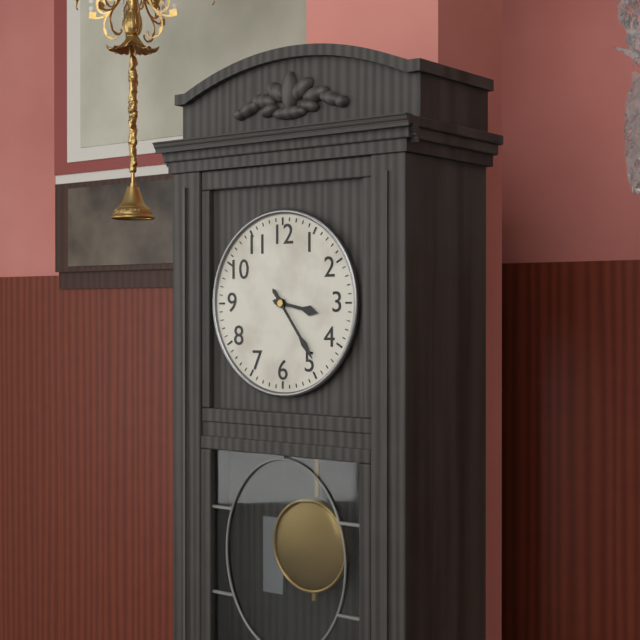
3:24
